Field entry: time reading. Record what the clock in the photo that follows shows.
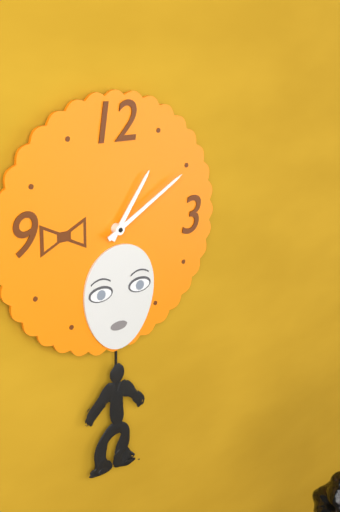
1:10
